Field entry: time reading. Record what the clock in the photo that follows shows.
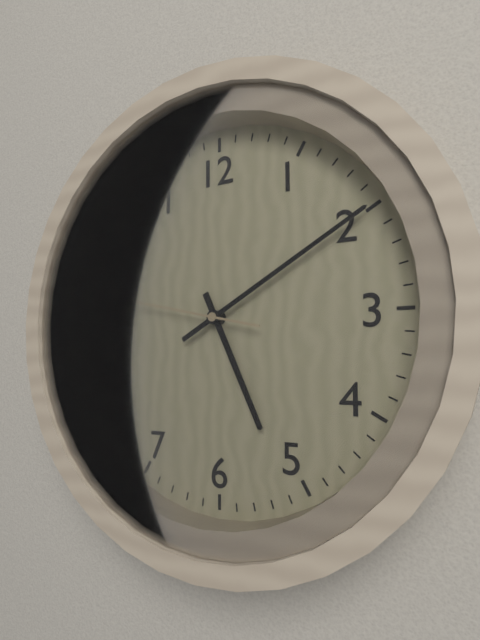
5:10:47
